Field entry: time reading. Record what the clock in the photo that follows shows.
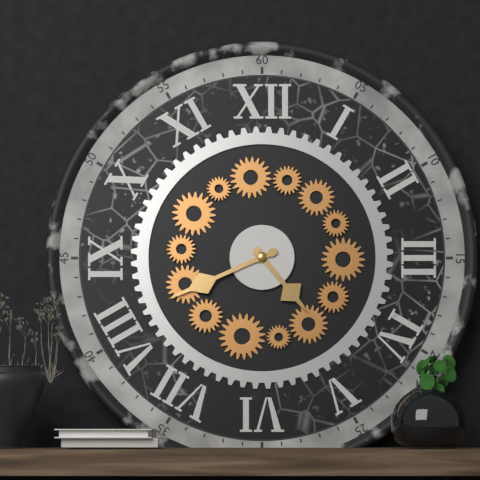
4:41
